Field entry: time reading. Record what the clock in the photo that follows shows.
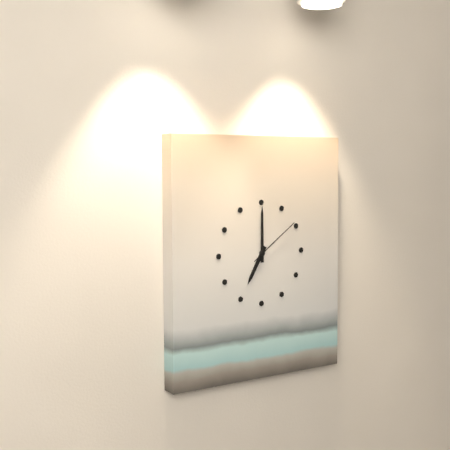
7:00:09
